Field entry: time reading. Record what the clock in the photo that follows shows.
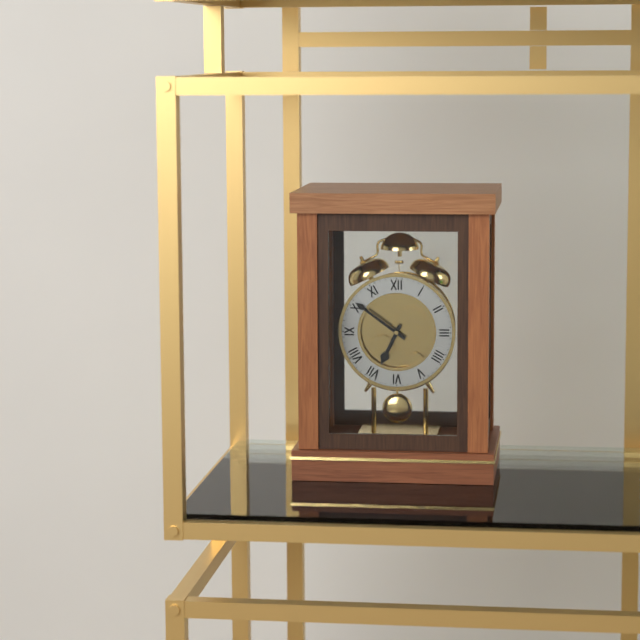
6:51
